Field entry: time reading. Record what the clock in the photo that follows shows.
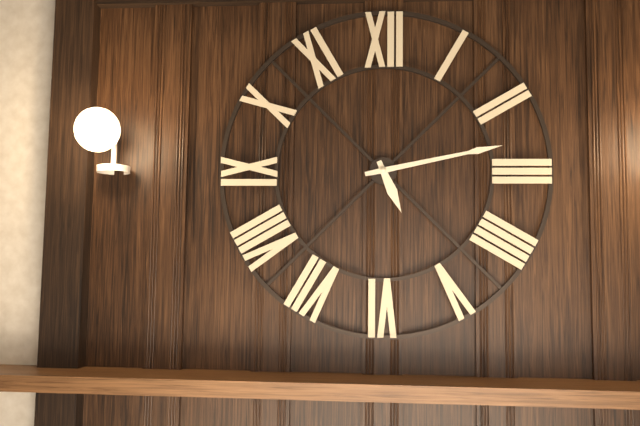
5:13
